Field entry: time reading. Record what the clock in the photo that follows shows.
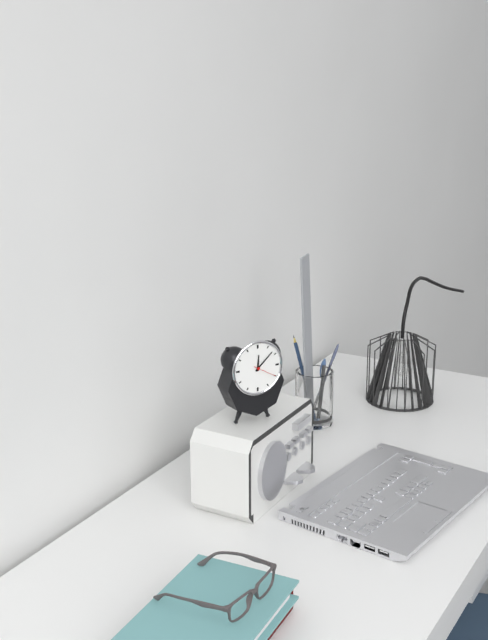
12:08
